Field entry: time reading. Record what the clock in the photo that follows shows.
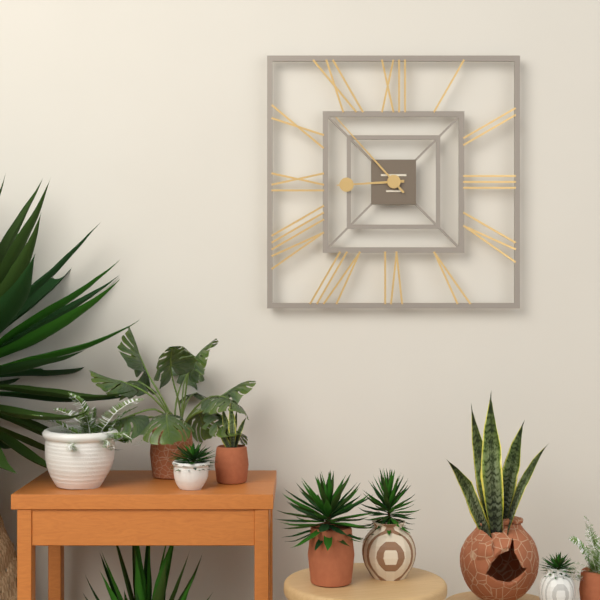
8:53
